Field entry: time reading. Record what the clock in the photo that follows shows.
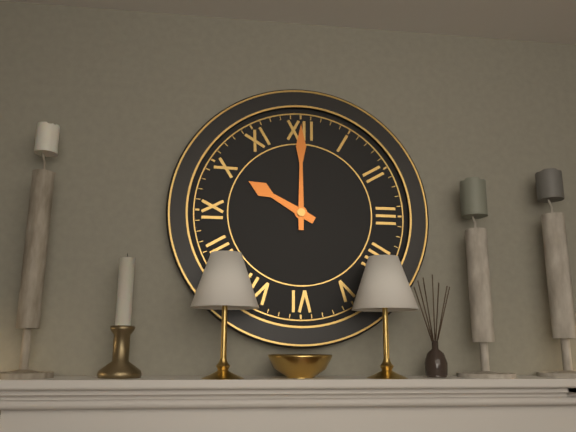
10:00
